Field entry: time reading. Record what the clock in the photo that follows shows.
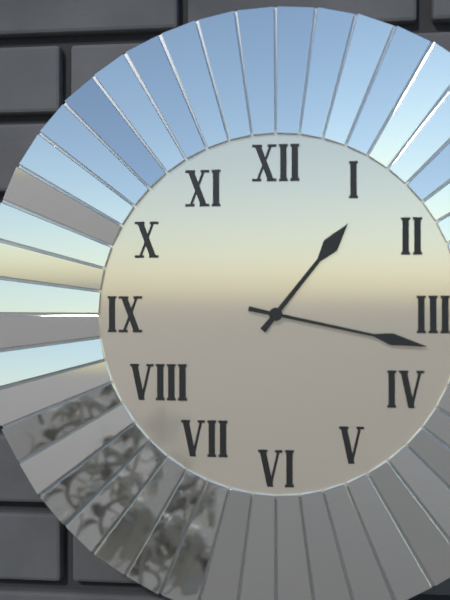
1:17
